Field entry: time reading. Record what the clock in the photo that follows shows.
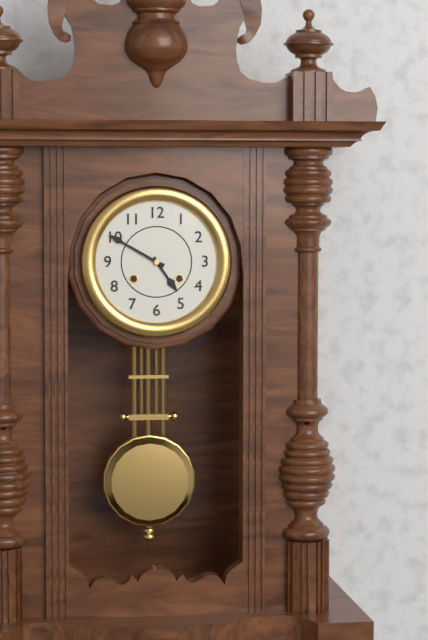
4:50
